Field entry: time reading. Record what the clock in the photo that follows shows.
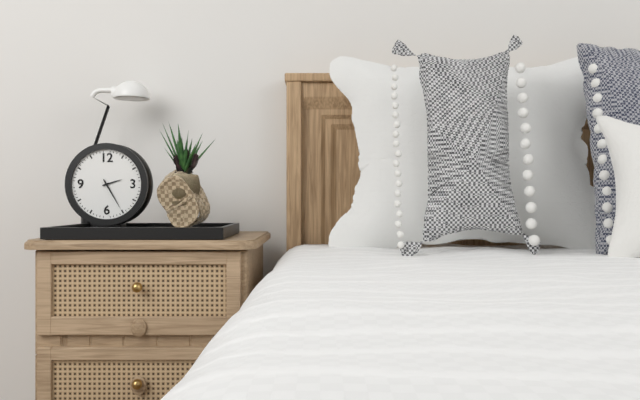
2:25
